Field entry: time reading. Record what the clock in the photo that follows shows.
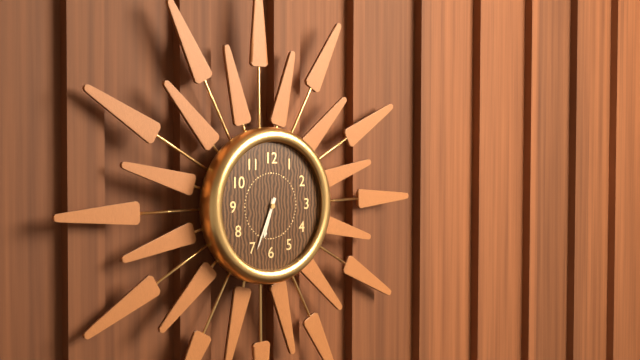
6:34
